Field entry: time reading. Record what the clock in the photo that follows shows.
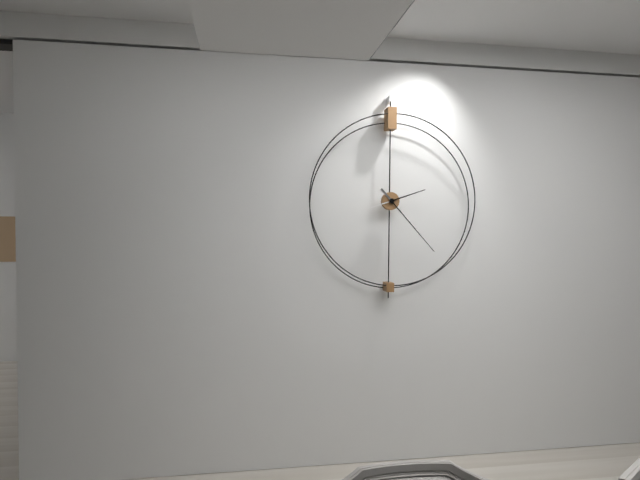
2:23
